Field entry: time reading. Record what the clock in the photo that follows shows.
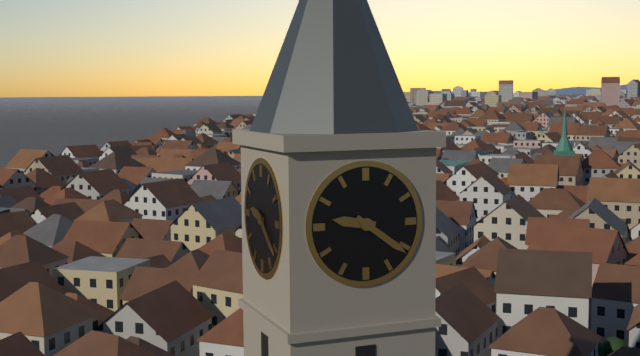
9:21
